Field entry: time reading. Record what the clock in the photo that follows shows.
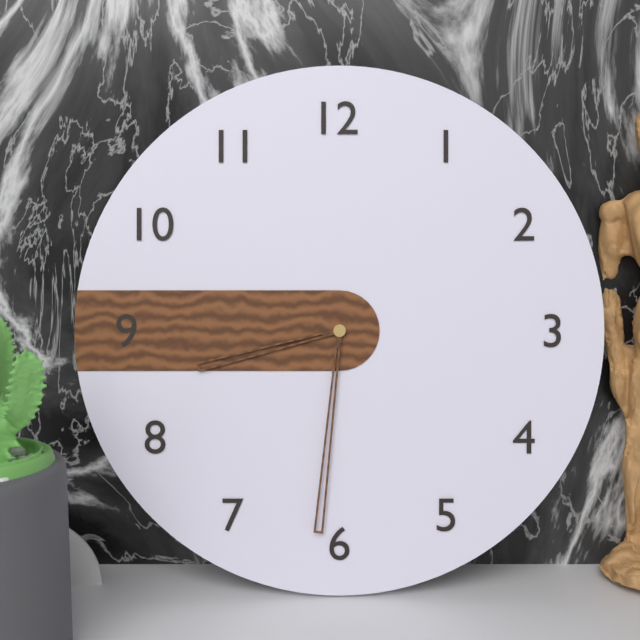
8:31
